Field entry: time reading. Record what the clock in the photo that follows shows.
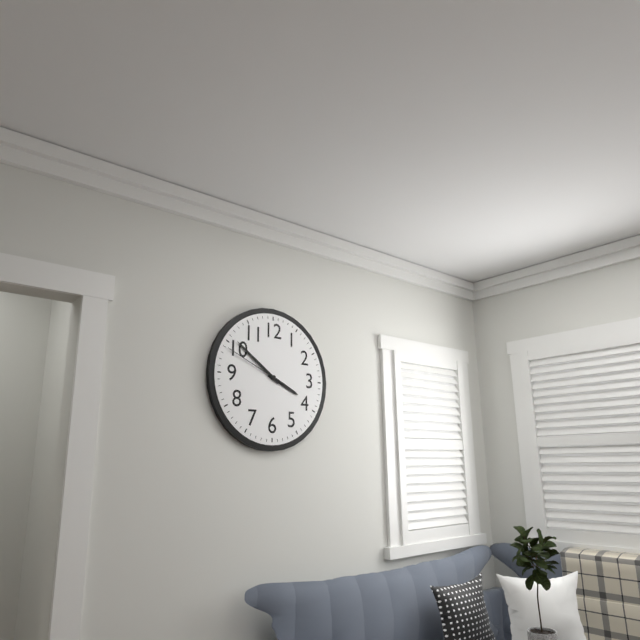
3:51:49
